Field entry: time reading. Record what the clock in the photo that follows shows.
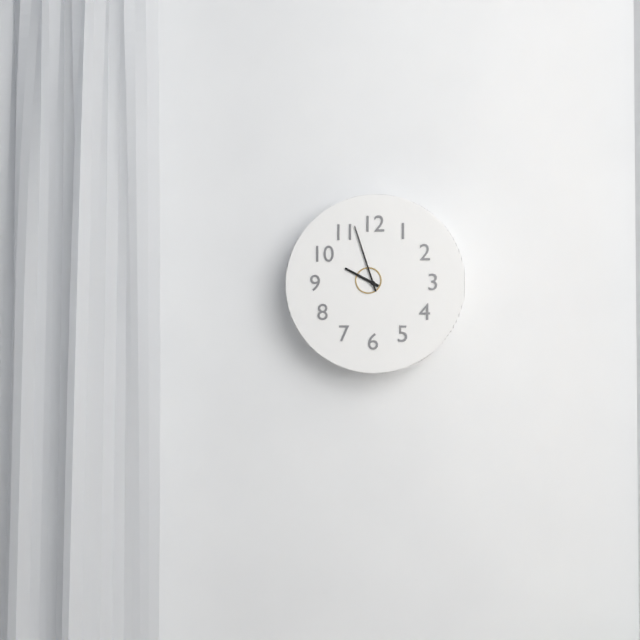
9:57
